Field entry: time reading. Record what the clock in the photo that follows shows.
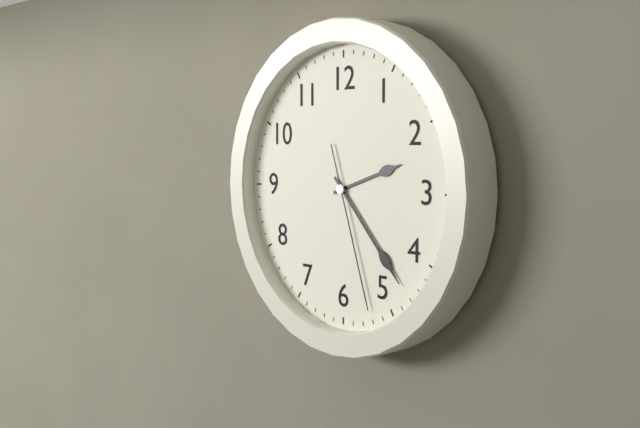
2:23:27
